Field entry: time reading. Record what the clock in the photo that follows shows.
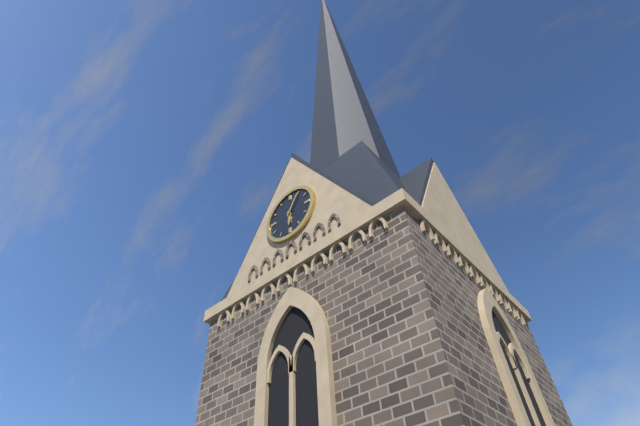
6:05
